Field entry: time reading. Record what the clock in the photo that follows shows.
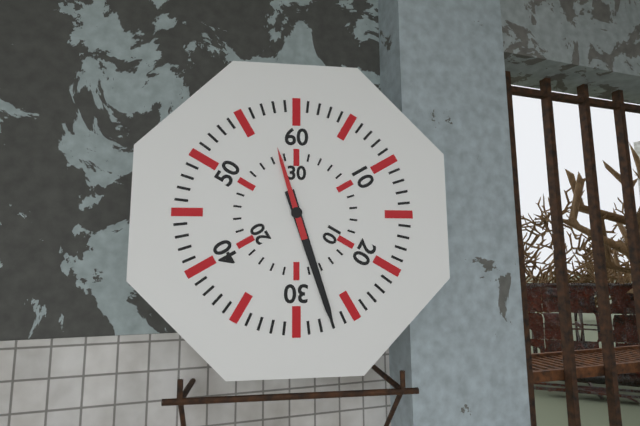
11:27
